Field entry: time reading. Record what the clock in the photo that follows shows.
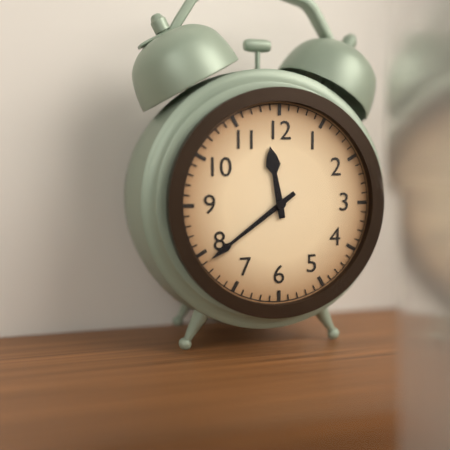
11:39
